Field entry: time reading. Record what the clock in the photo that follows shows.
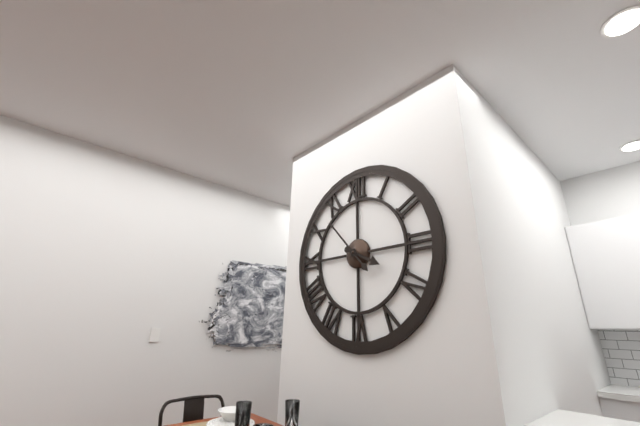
3:53
